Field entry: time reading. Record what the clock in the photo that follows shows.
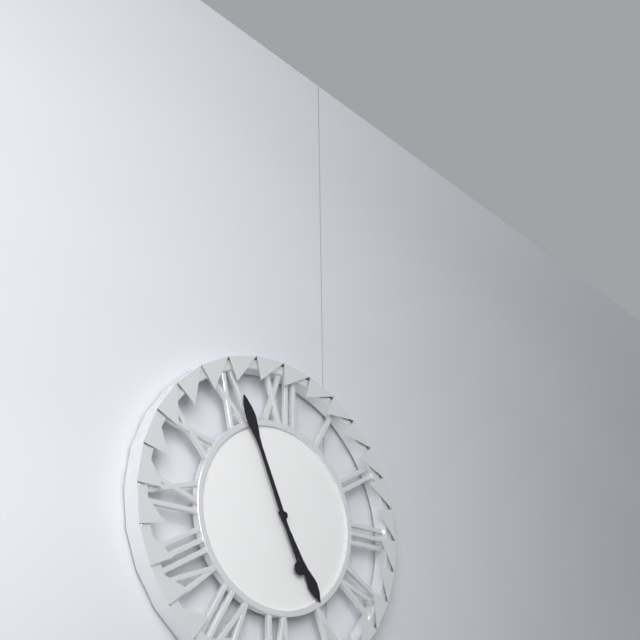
4:56
